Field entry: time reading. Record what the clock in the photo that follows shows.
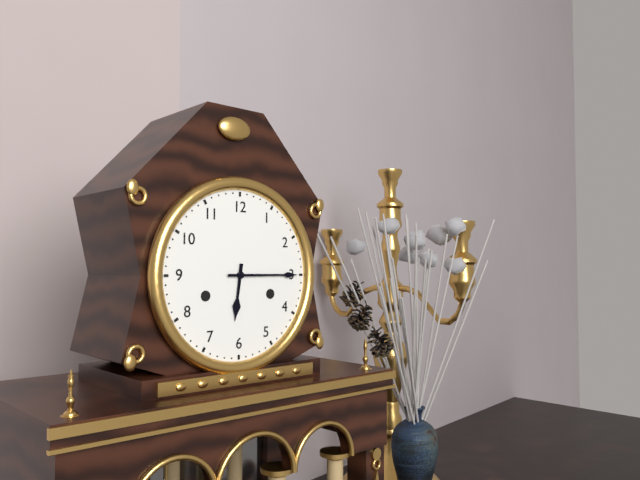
6:15
